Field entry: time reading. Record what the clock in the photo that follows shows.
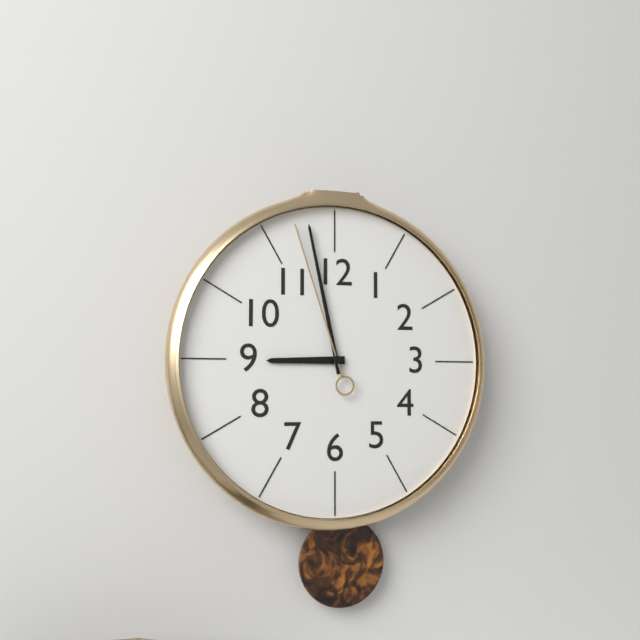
8:58:57
